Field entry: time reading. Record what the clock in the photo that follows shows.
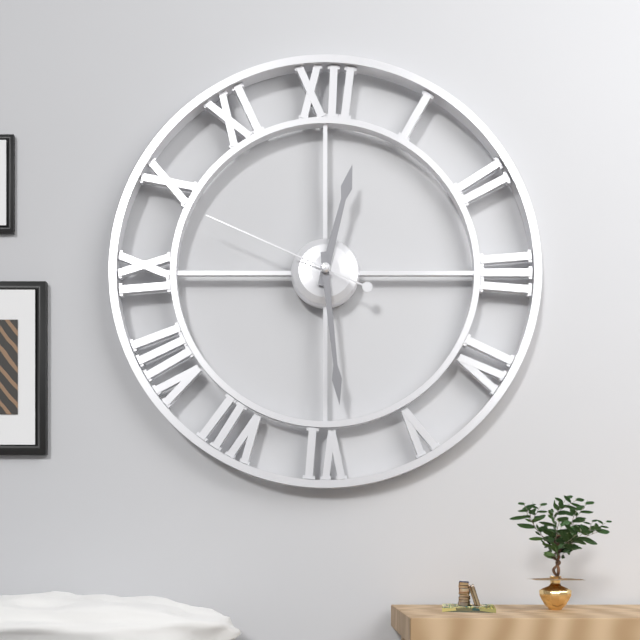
12:29:49
